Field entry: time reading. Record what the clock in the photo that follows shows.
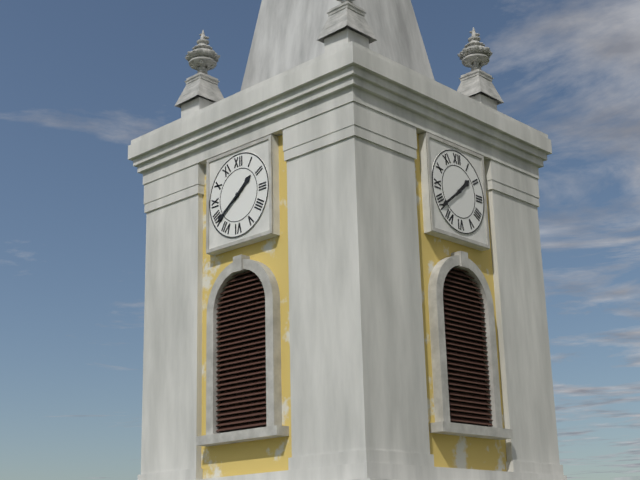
1:39
